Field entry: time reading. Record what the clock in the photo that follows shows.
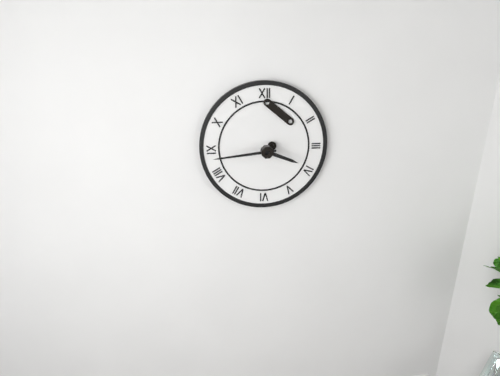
3:44
